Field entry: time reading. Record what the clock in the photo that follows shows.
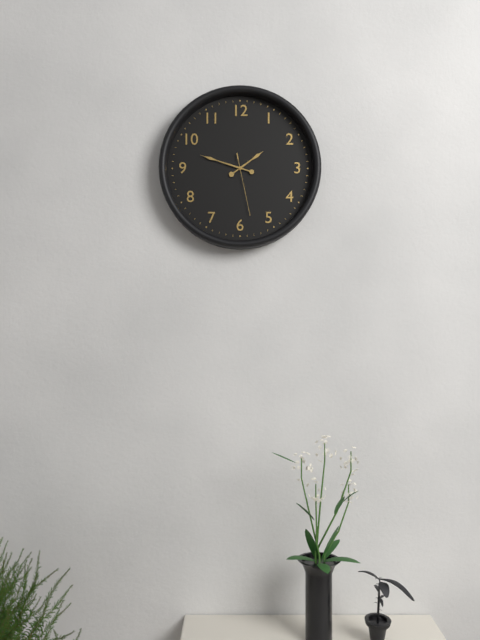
1:48:28
